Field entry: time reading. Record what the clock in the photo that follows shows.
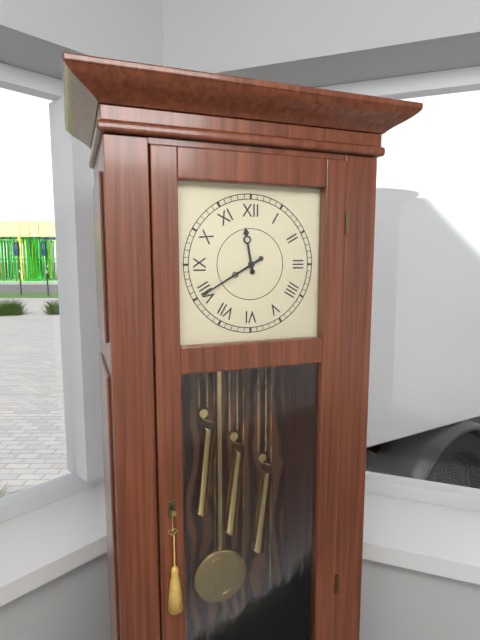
11:40
